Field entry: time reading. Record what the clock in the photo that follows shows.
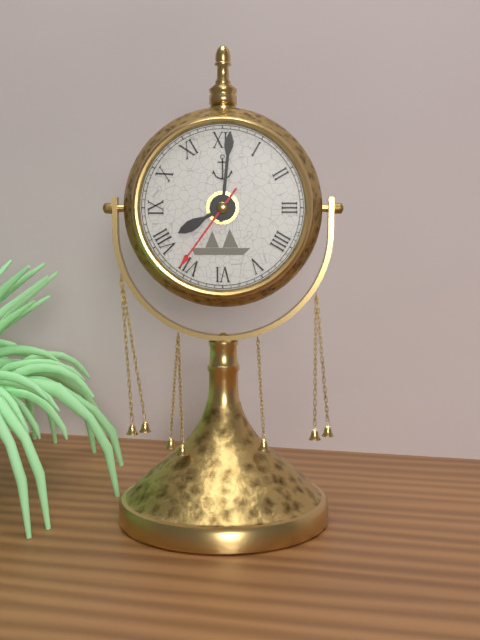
8:01:36
